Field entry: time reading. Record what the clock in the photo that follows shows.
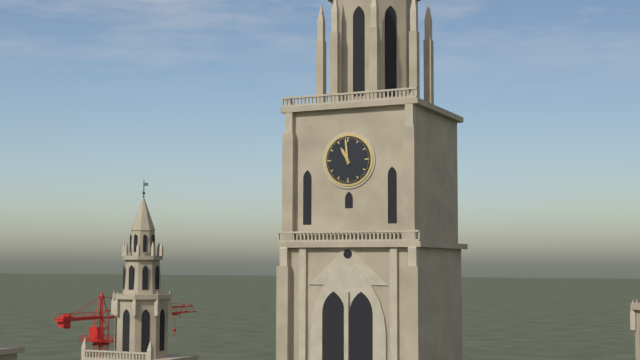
10:59
